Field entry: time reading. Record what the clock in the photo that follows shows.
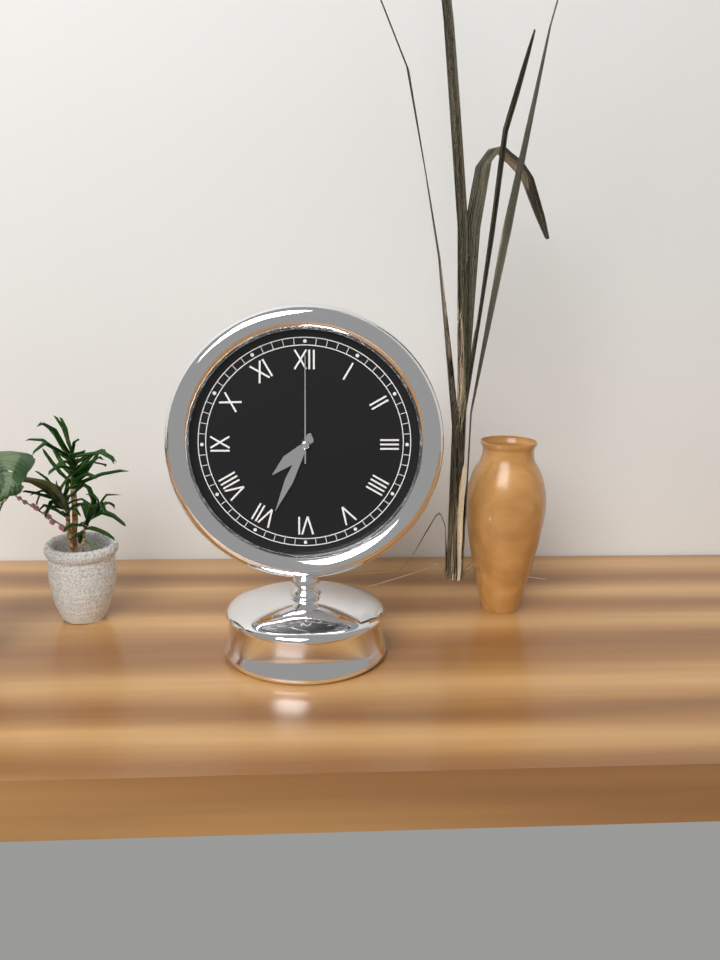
7:34:00
